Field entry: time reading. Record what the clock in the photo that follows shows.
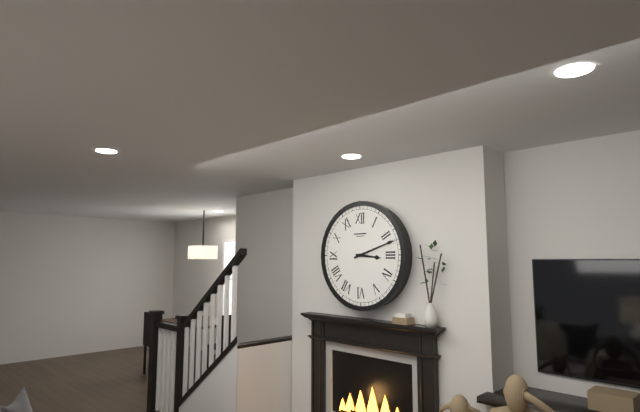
3:12
